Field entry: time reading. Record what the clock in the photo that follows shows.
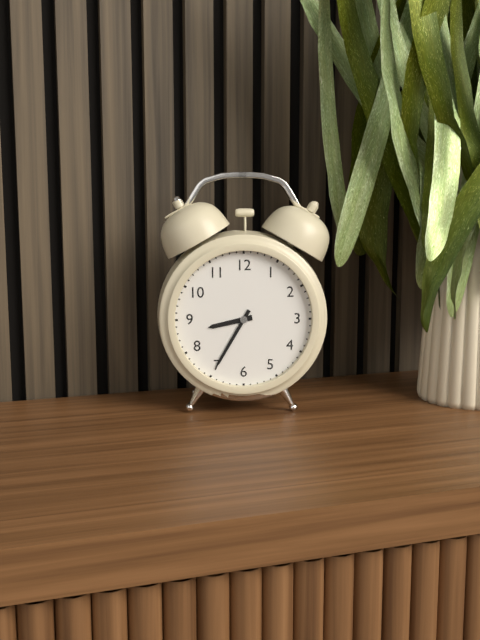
8:35
